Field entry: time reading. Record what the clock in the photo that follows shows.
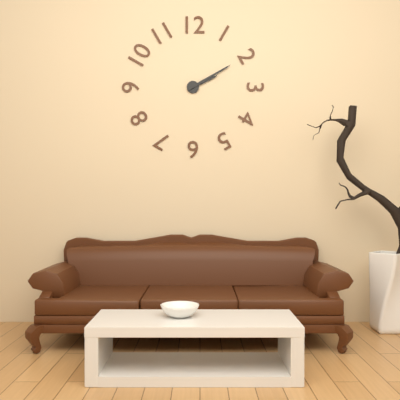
2:10
